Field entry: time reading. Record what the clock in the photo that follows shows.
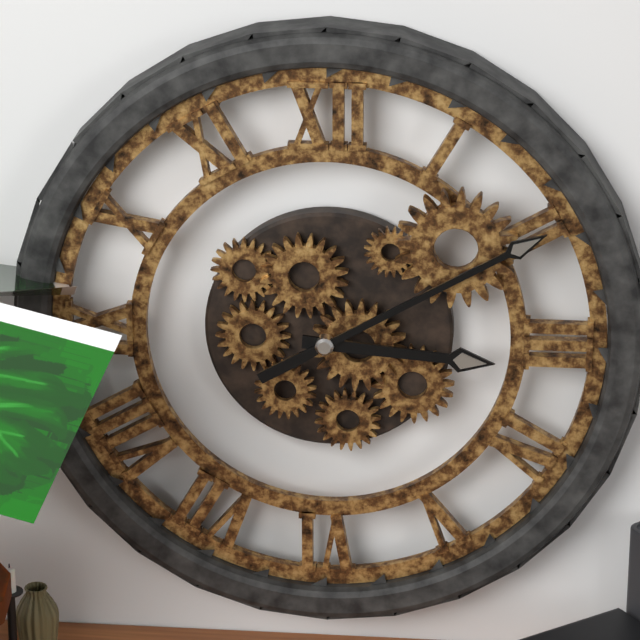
3:10
